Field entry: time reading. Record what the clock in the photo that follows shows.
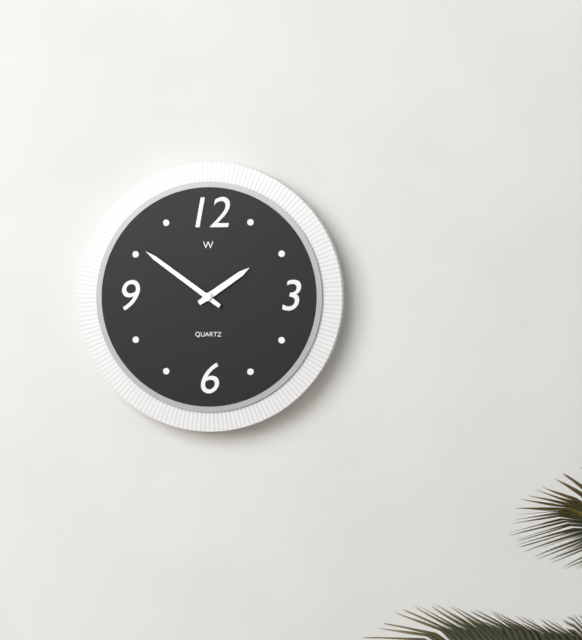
1:51
